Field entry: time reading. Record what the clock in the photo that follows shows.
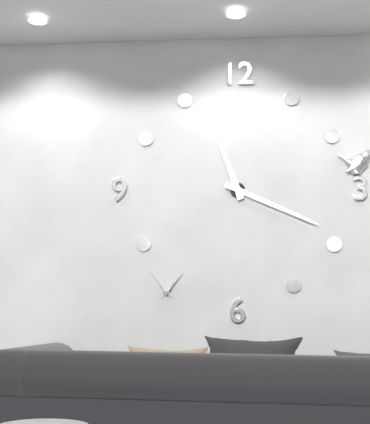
11:19
